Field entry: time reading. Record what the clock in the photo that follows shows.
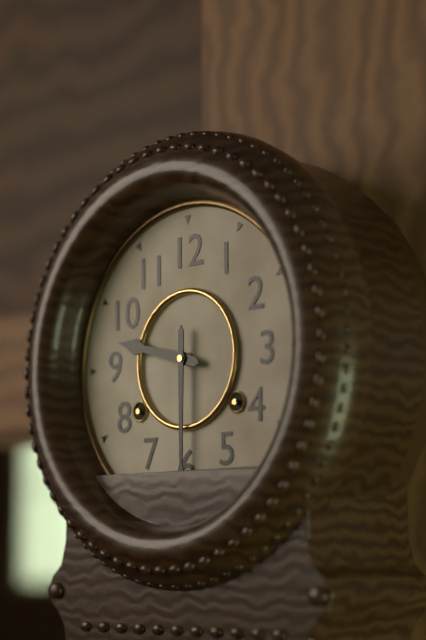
9:30
